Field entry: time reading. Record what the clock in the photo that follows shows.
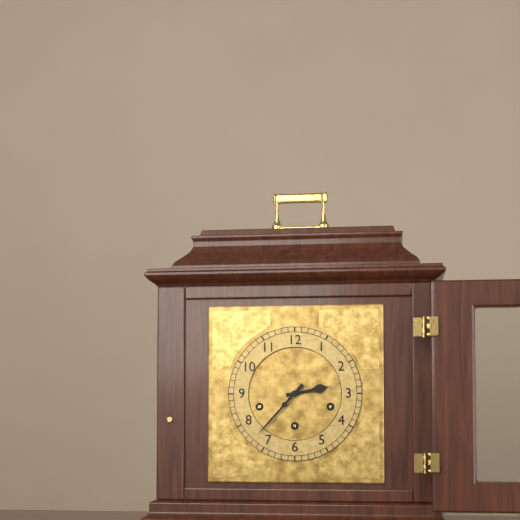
2:37
